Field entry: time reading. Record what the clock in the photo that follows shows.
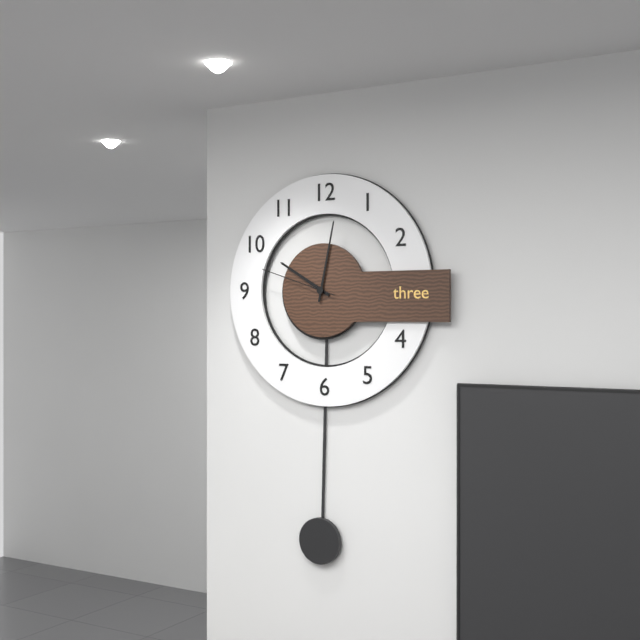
10:02:48
